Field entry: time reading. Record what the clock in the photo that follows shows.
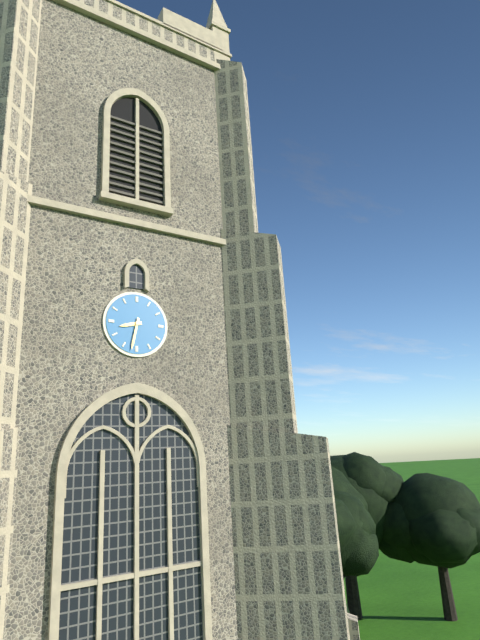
8:32
